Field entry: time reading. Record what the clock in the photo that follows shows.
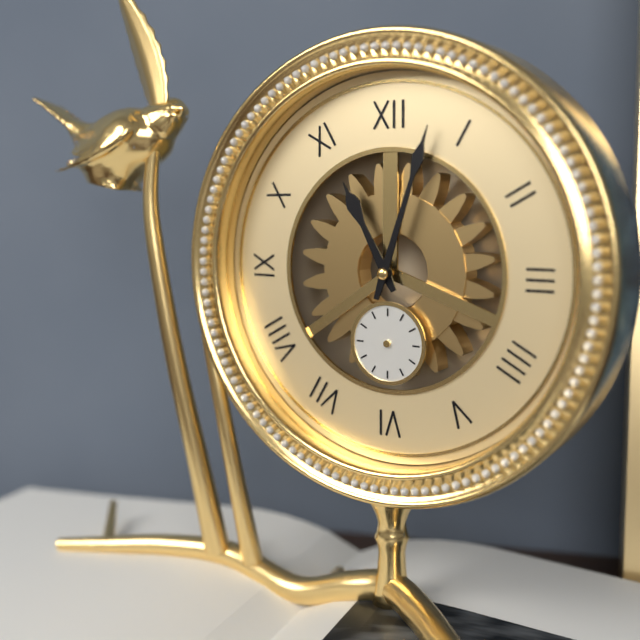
11:03
